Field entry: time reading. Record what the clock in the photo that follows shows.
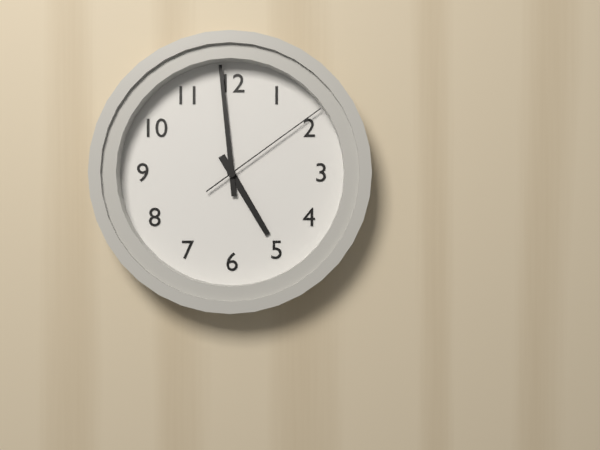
4:59:09
